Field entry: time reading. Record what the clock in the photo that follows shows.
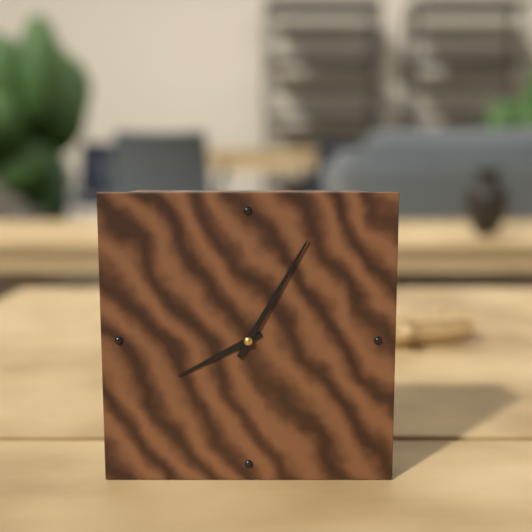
8:05
